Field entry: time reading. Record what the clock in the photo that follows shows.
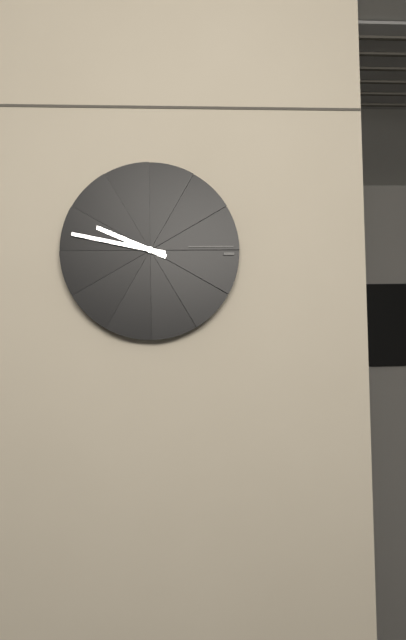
9:47
